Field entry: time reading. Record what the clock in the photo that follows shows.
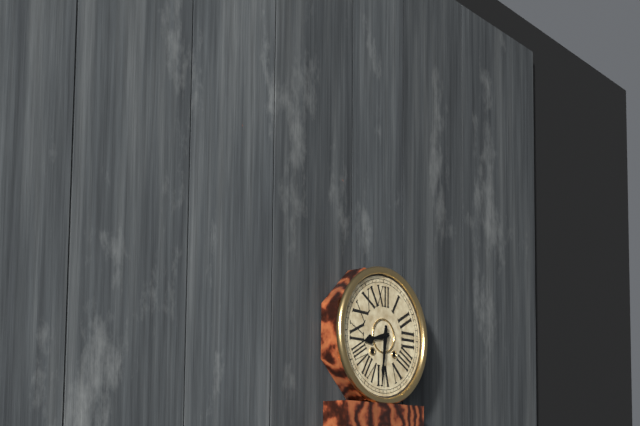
8:31
